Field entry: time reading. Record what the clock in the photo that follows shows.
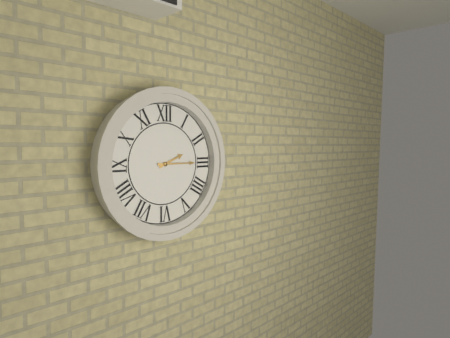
2:15
